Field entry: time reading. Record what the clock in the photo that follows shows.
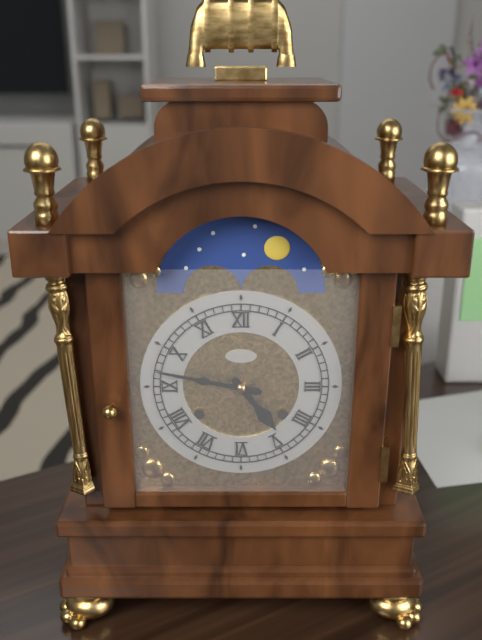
4:47
